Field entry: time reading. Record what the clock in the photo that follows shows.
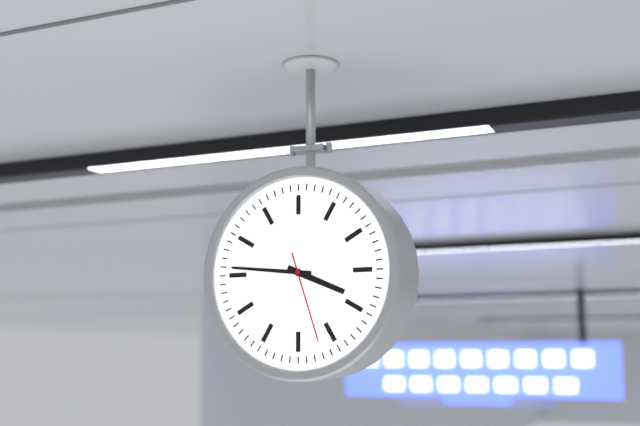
3:46:27
